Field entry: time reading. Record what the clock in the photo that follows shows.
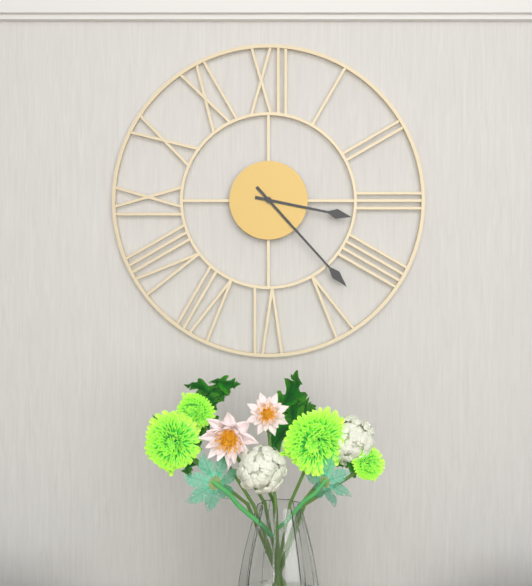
3:23
